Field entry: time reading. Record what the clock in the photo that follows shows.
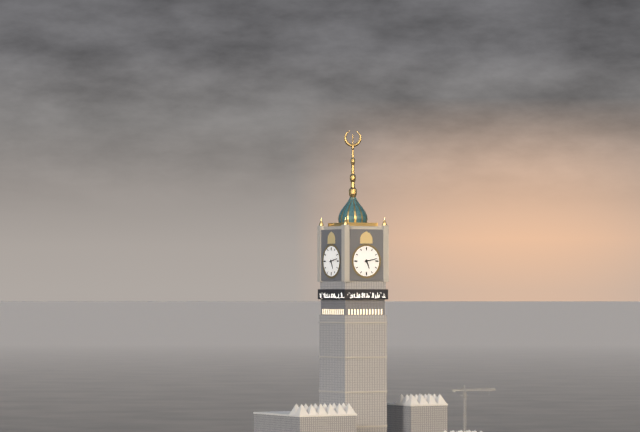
5:13
